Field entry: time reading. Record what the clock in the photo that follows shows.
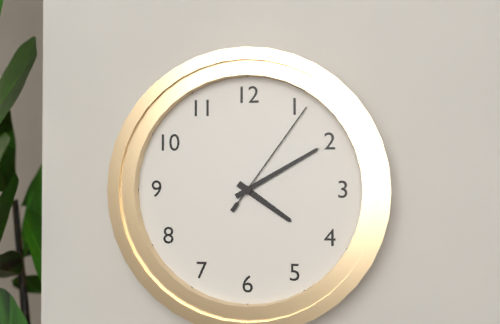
4:10:06
